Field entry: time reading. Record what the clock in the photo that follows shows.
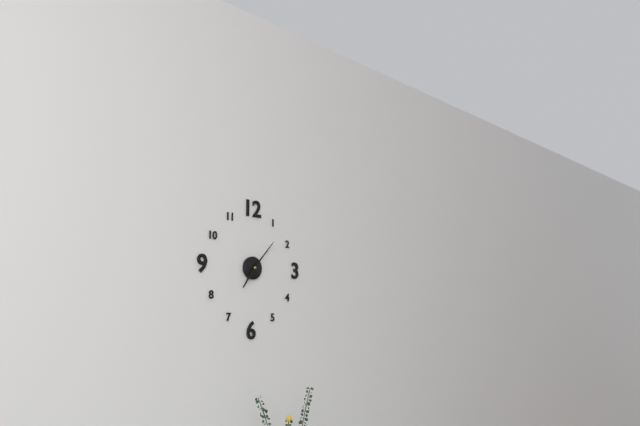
7:07
